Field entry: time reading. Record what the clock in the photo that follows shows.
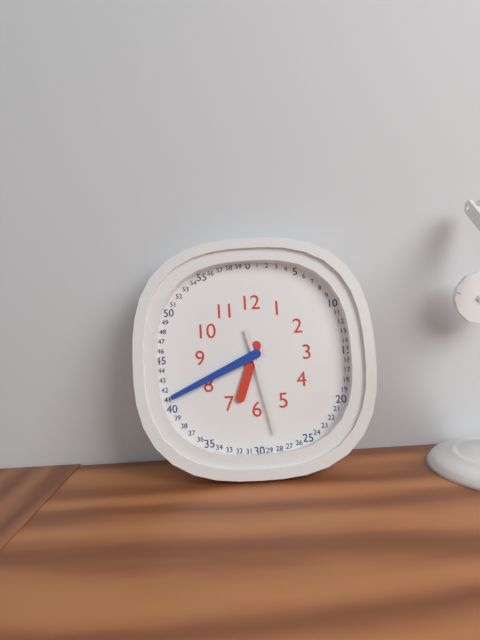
6:41:28
